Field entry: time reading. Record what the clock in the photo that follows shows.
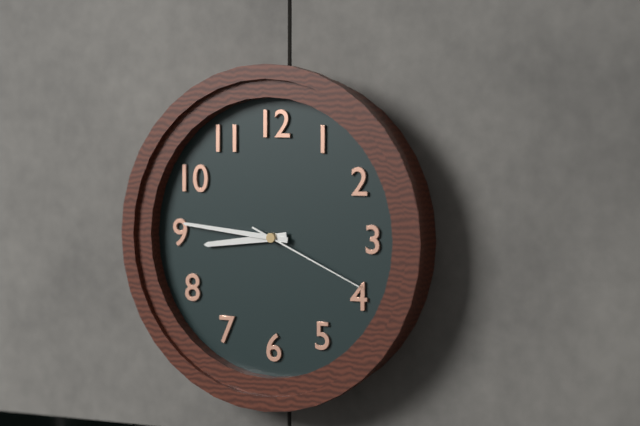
8:46:19
